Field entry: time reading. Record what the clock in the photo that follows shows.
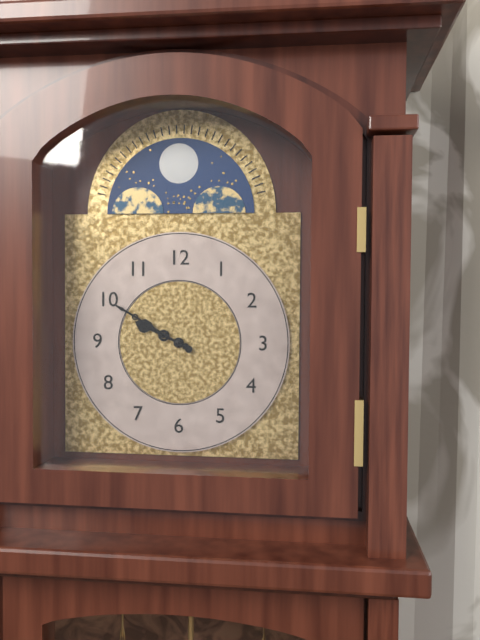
9:50
